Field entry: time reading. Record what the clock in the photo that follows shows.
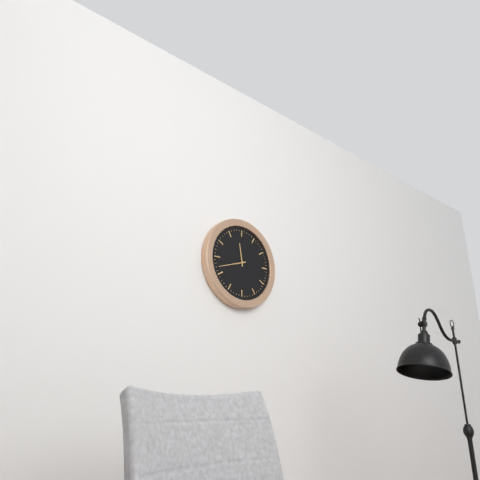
11:42
